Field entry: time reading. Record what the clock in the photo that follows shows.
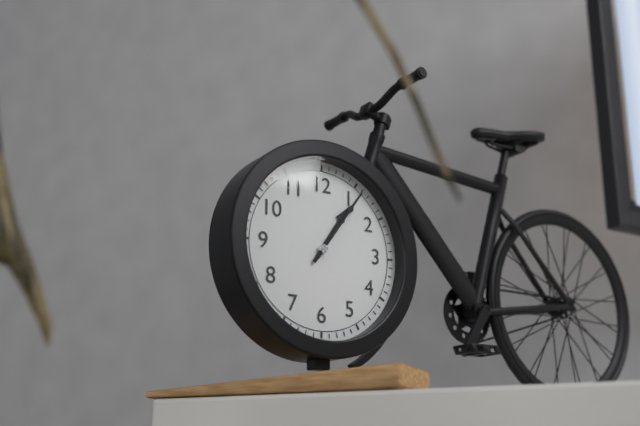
1:06
